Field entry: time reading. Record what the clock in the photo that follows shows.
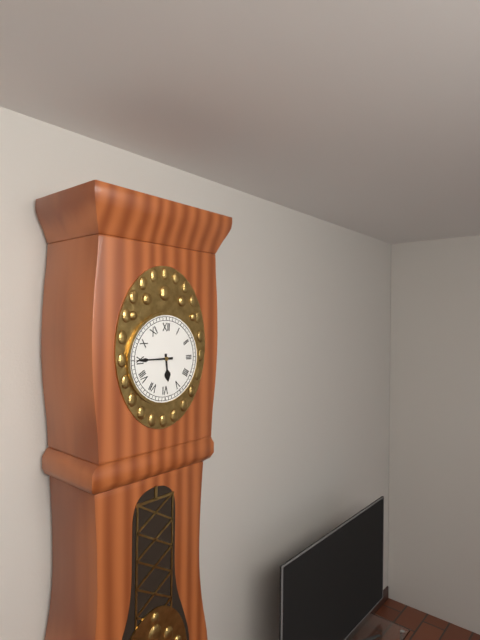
5:45
